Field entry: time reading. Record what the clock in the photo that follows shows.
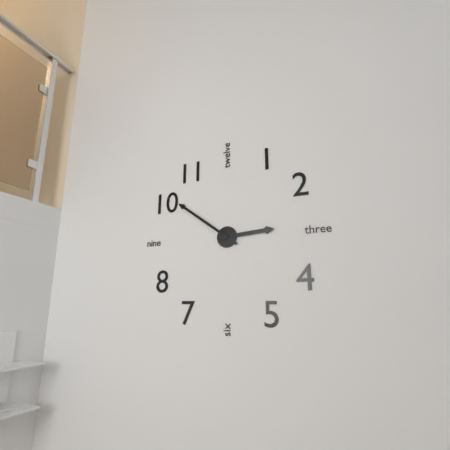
2:51
